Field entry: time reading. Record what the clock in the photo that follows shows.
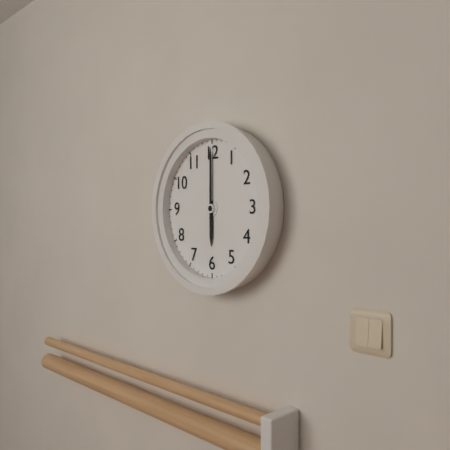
6:00
